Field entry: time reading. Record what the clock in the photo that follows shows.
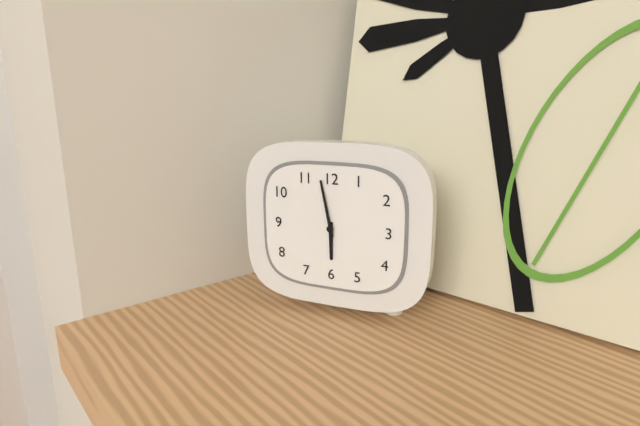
5:58
